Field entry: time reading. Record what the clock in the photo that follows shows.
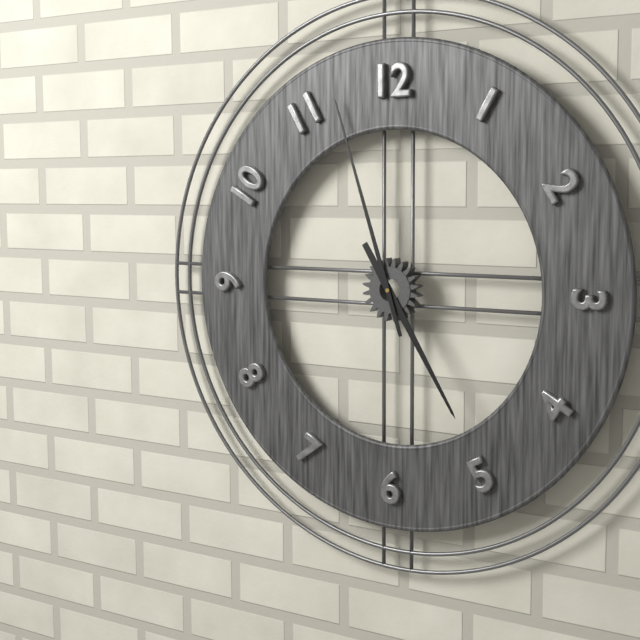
4:57
